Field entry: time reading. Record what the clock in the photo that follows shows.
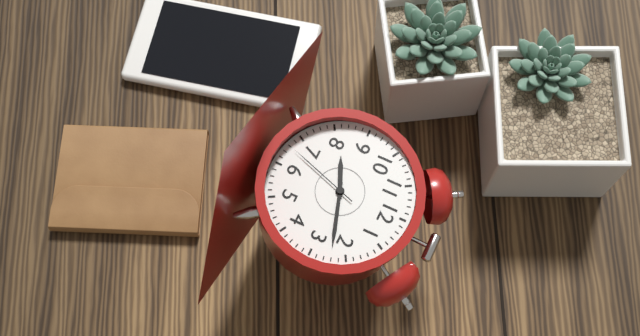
8:12:33
